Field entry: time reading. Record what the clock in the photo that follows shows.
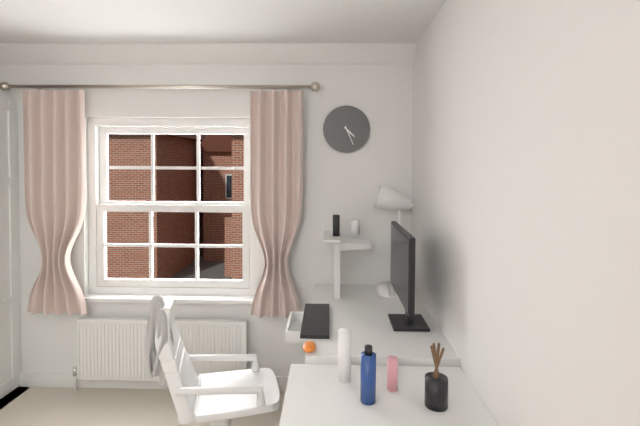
4:26
